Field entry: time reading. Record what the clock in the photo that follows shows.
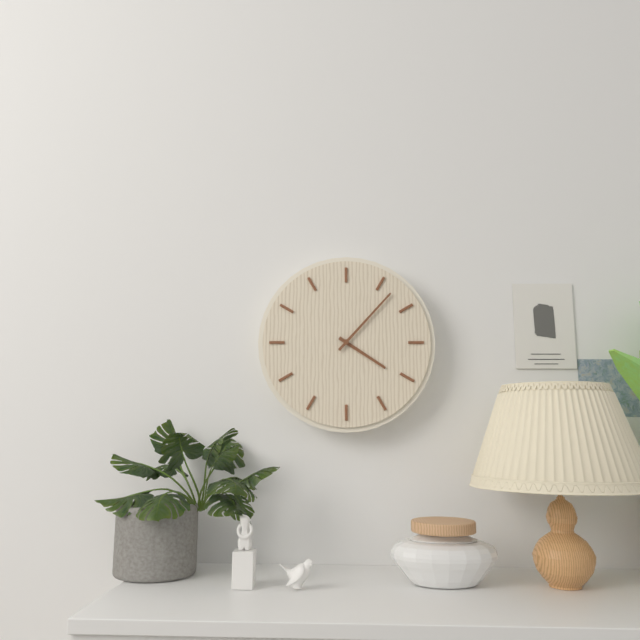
4:07
